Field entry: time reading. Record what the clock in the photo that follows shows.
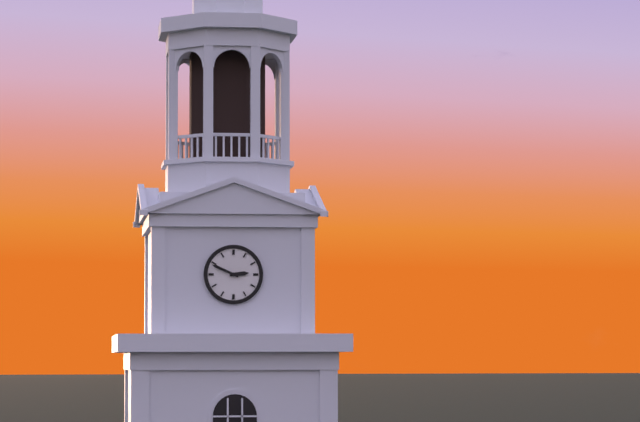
2:49
